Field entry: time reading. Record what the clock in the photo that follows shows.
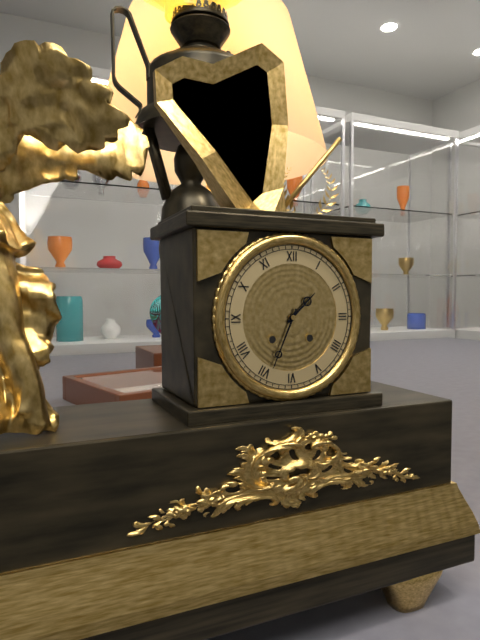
1:34
